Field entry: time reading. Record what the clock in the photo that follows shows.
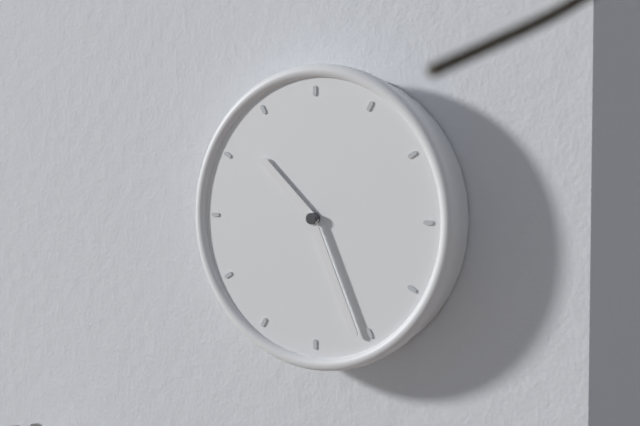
10:26
